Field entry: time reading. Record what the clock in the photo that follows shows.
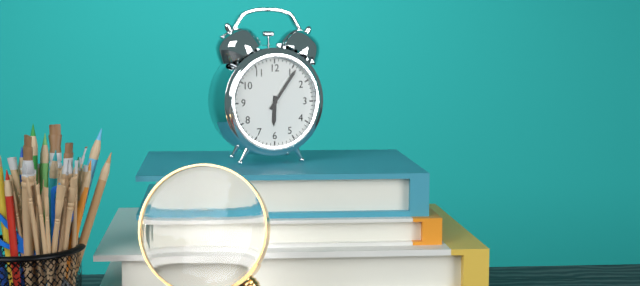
6:06
